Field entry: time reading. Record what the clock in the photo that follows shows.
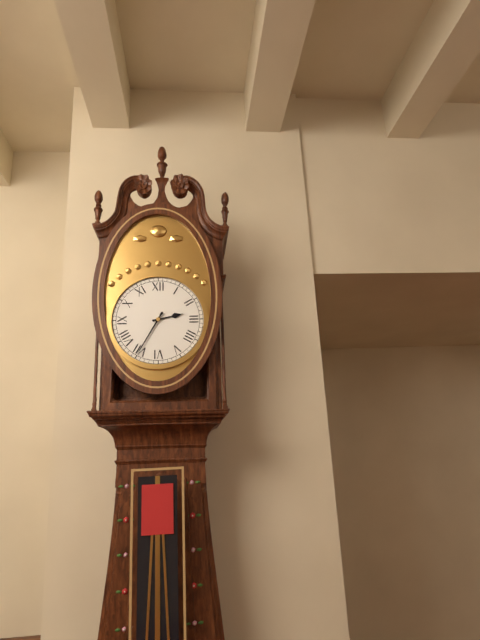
2:35
